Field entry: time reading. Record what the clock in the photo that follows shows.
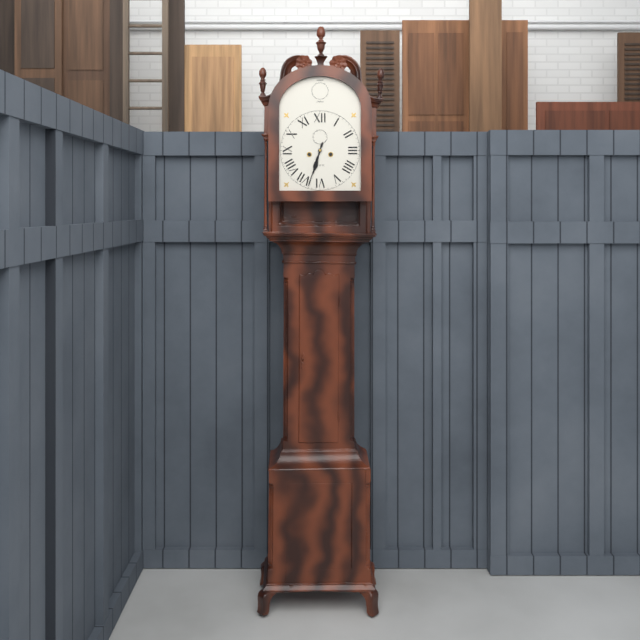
6:33
